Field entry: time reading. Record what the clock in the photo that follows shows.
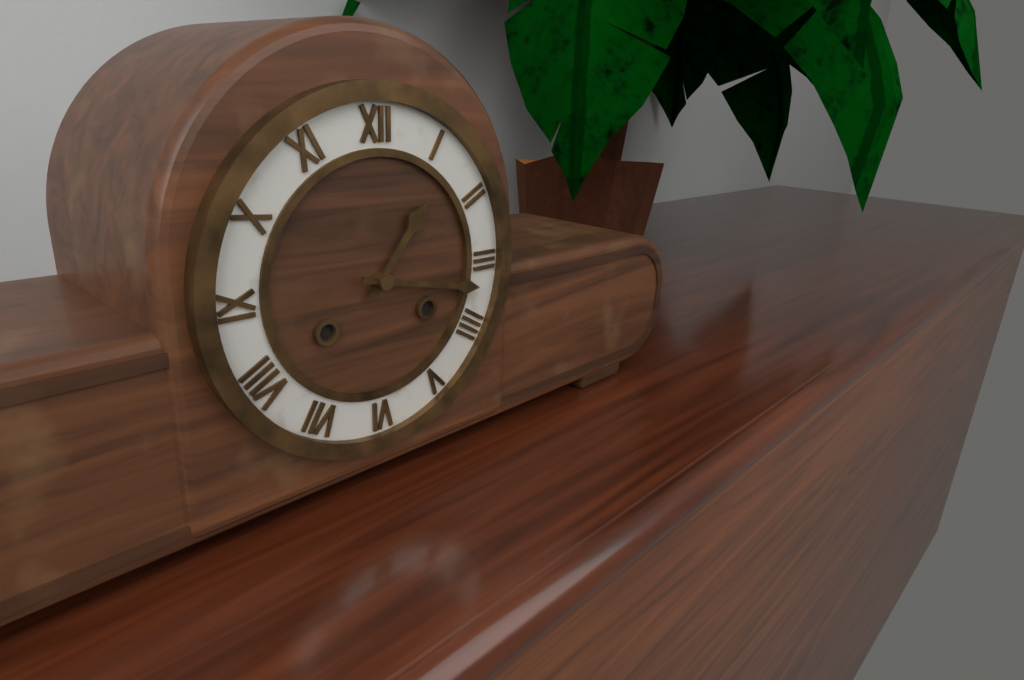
1:17
